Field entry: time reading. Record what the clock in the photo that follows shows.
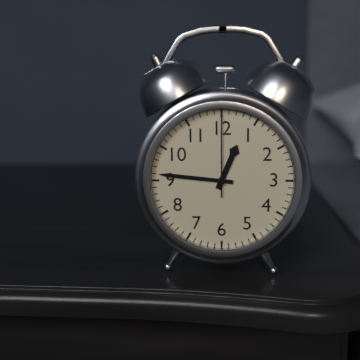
12:46:00
